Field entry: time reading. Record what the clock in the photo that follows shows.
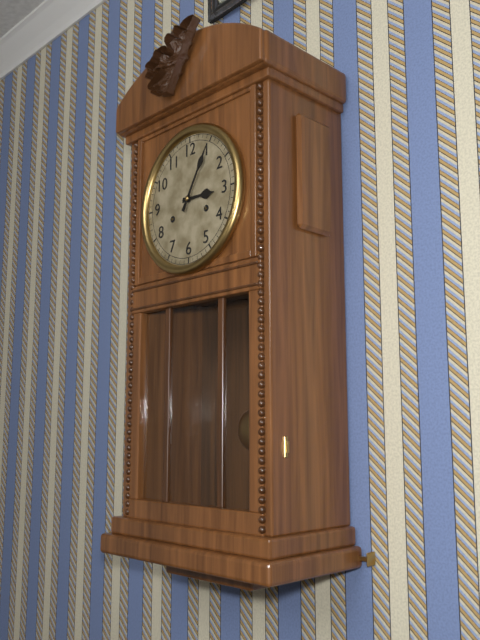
3:05
